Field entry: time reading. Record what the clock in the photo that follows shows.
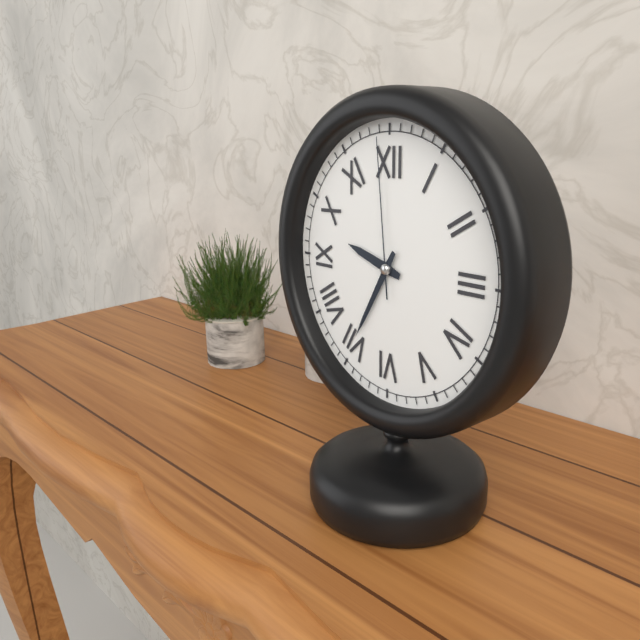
9:35:59
